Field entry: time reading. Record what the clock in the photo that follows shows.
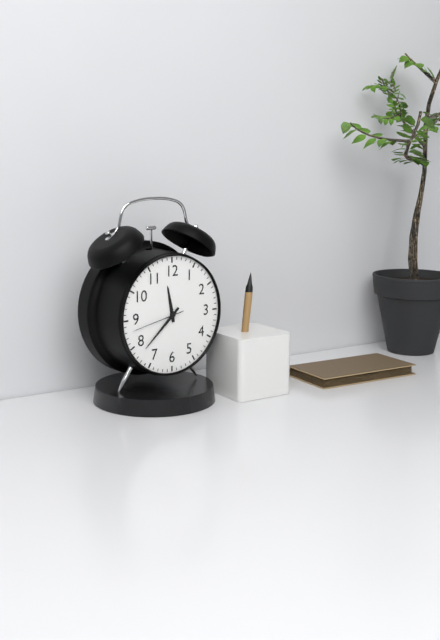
11:38:43
